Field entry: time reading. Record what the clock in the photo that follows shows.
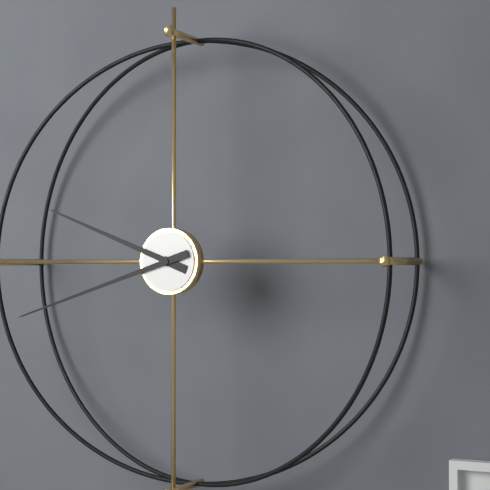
9:42
